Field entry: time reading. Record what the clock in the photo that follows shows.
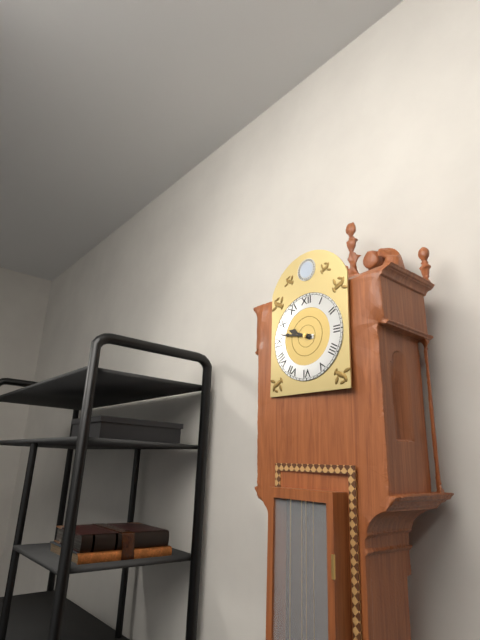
9:47
